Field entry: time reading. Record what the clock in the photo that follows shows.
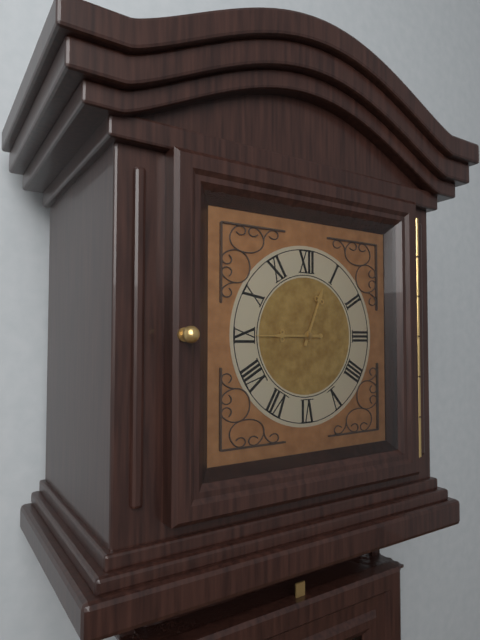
12:45
